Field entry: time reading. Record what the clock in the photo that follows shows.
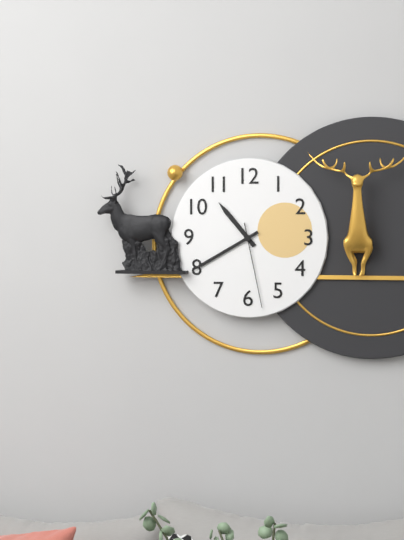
10:40:28
